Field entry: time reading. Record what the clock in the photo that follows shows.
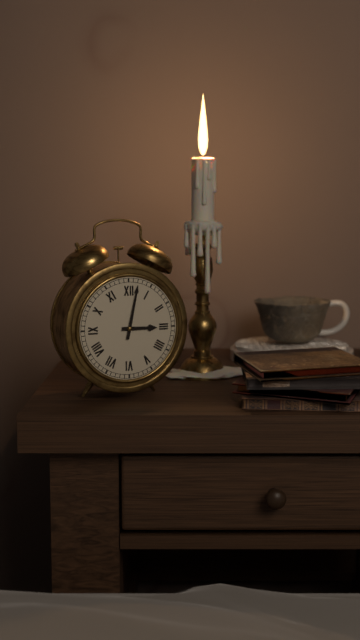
3:02
